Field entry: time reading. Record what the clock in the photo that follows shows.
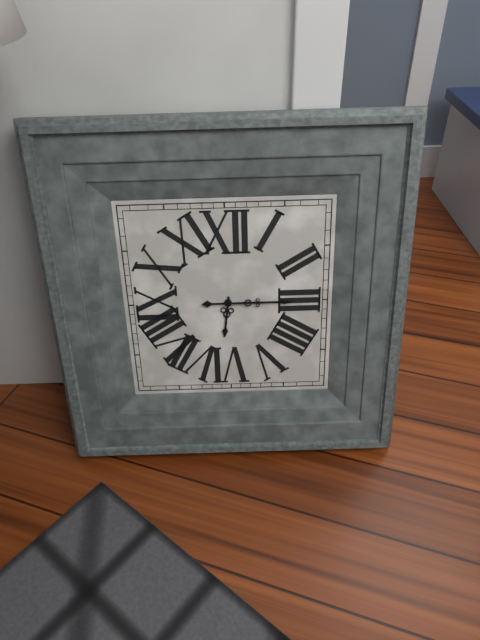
6:15
